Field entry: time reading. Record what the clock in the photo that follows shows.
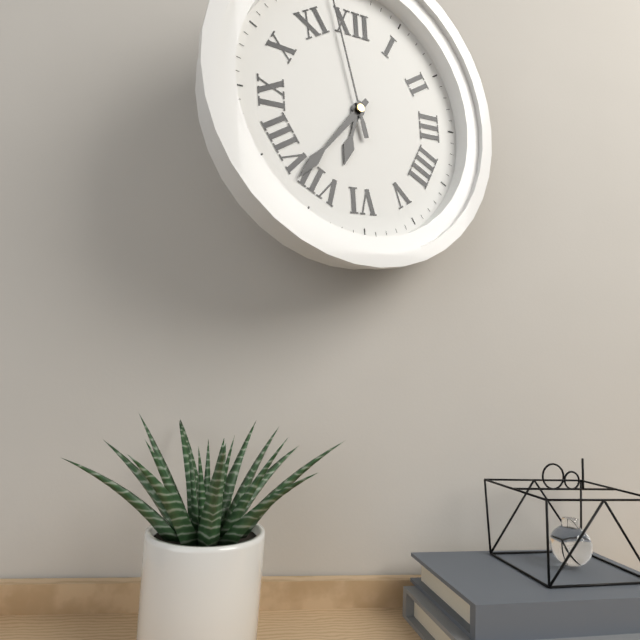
6:37
